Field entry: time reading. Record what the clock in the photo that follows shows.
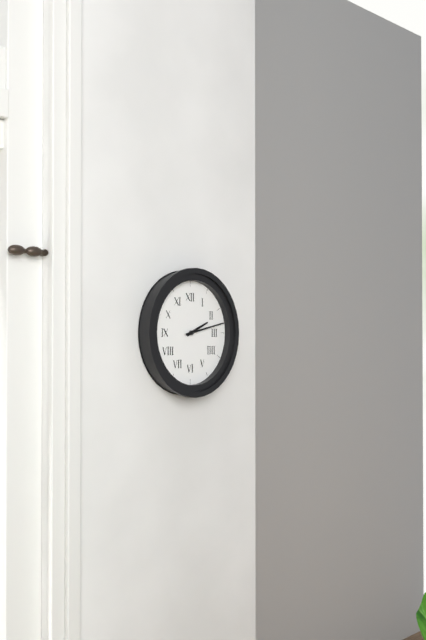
2:13
